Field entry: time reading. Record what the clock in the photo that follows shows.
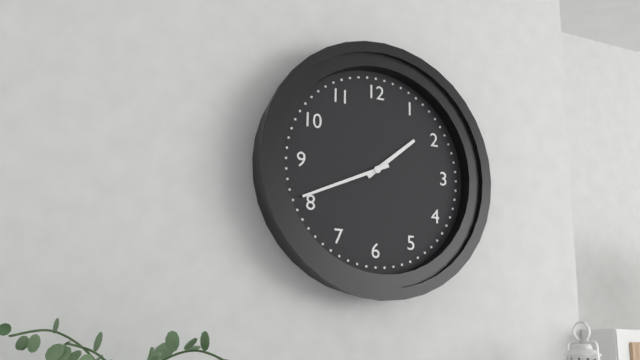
1:41
